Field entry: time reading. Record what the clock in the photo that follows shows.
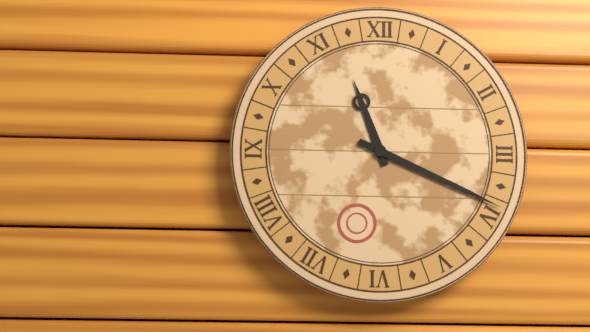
11:19
